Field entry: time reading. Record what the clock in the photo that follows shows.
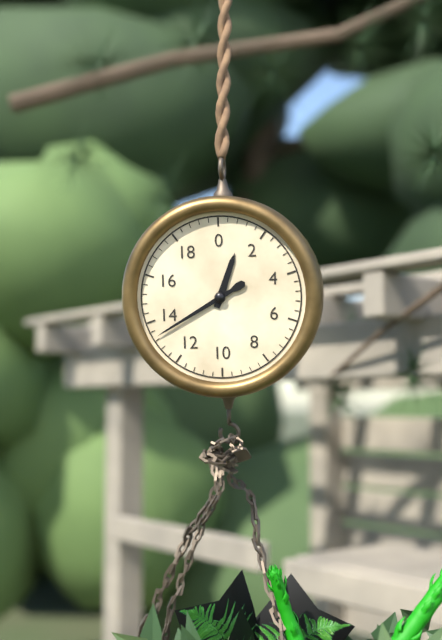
12:40
